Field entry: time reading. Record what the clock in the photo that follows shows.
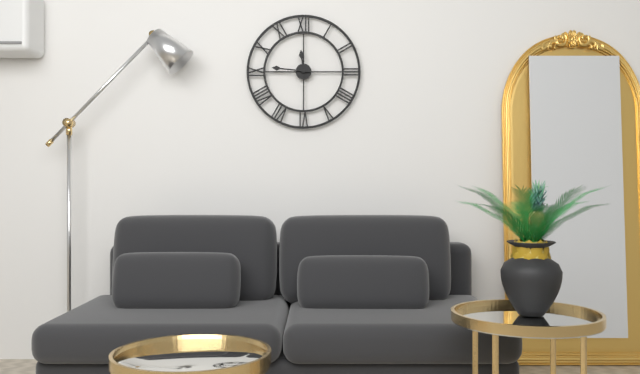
11:46
